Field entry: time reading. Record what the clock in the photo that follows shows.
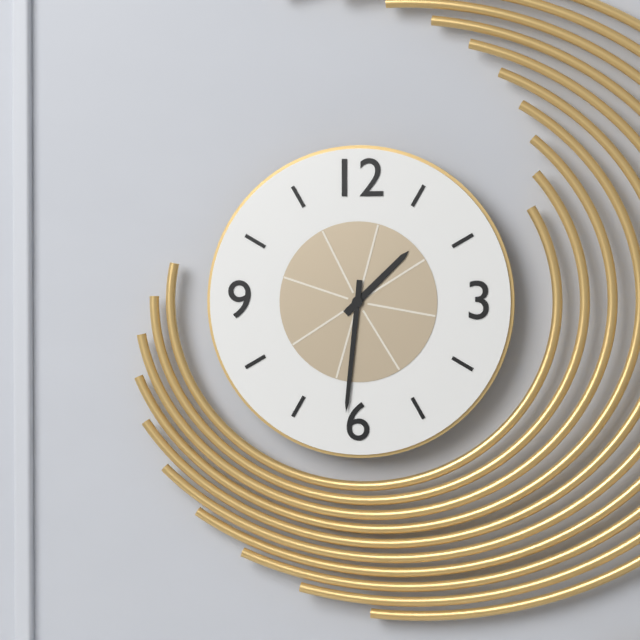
1:31
